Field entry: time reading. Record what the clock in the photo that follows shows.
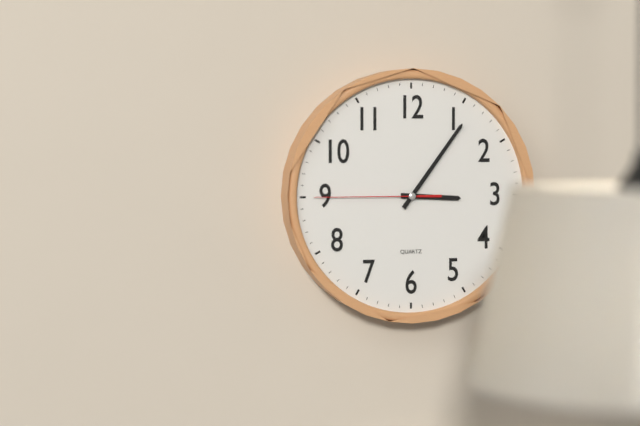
3:06:45
